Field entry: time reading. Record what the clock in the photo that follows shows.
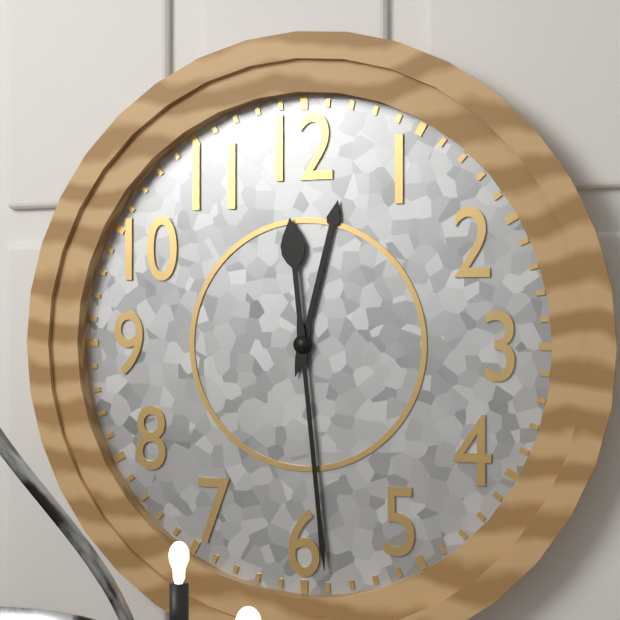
12:29
